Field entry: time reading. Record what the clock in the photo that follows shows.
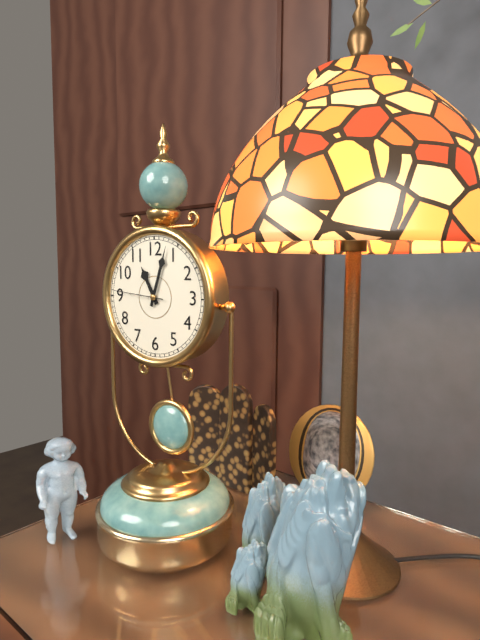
11:03:46
